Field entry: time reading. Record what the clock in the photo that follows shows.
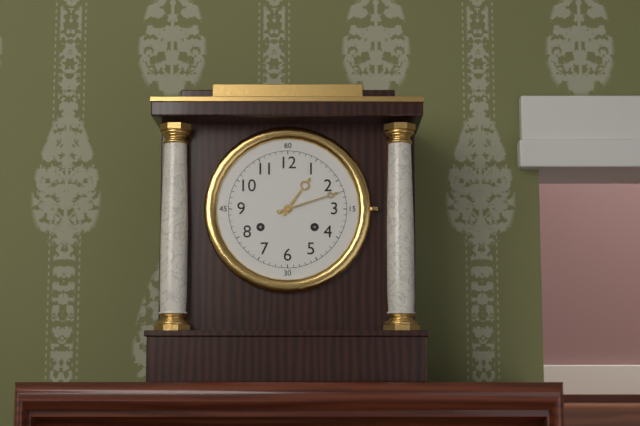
1:12
